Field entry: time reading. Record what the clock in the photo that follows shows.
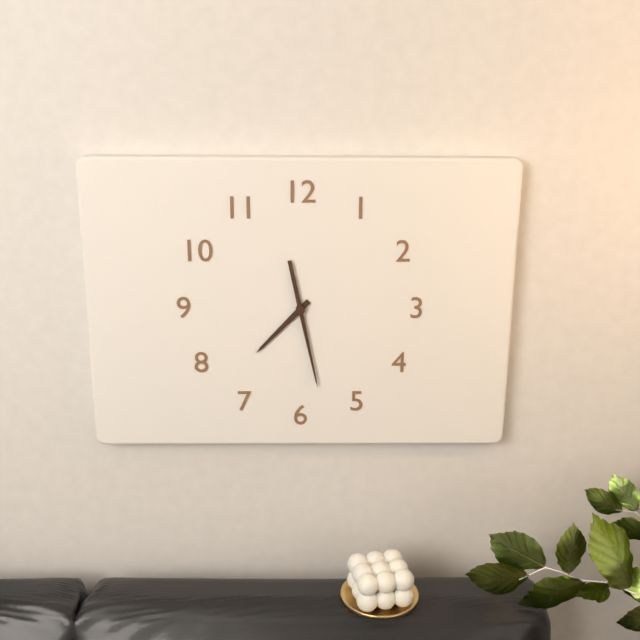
7:28
